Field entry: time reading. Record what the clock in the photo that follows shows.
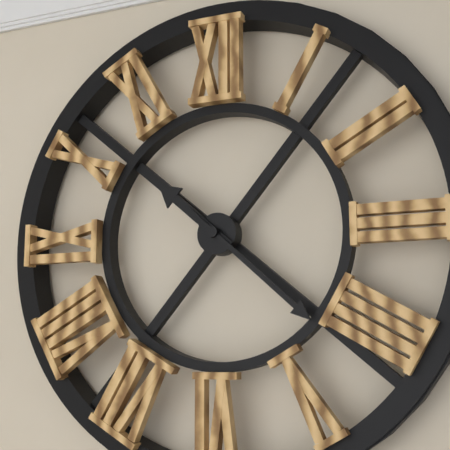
10:22
